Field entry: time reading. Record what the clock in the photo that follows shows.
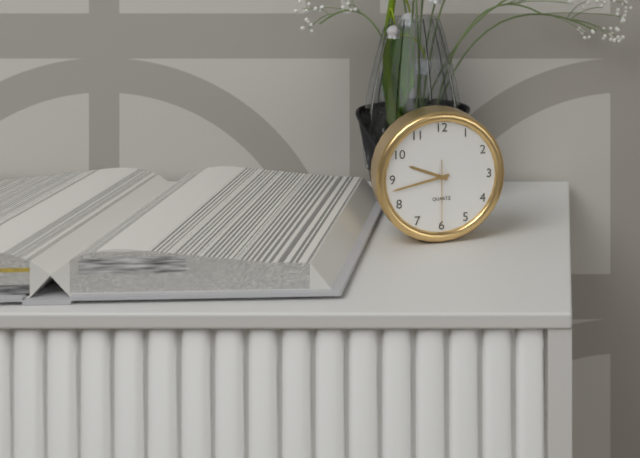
9:43:30
